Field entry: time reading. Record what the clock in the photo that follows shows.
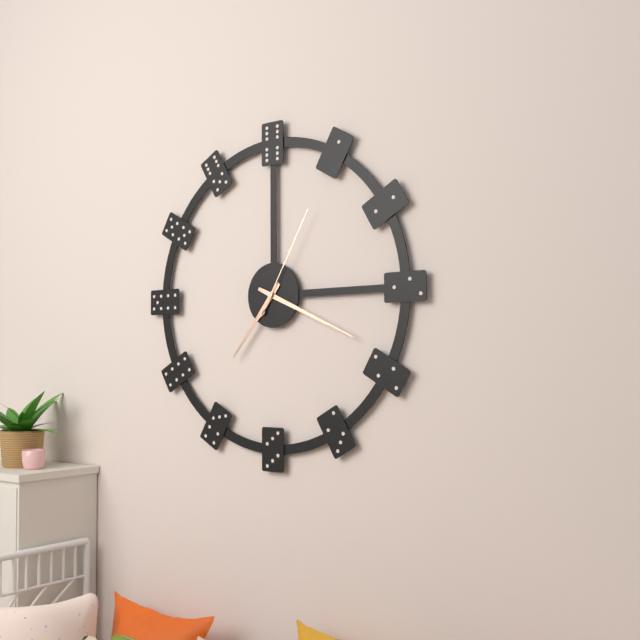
7:19:05
